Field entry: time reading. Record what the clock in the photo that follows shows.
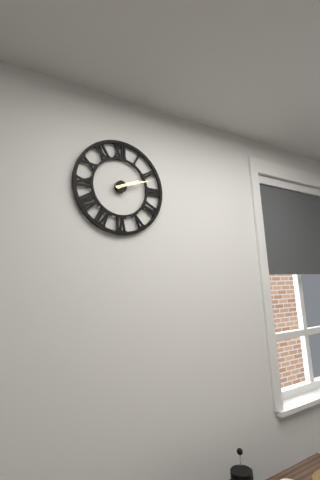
2:12
